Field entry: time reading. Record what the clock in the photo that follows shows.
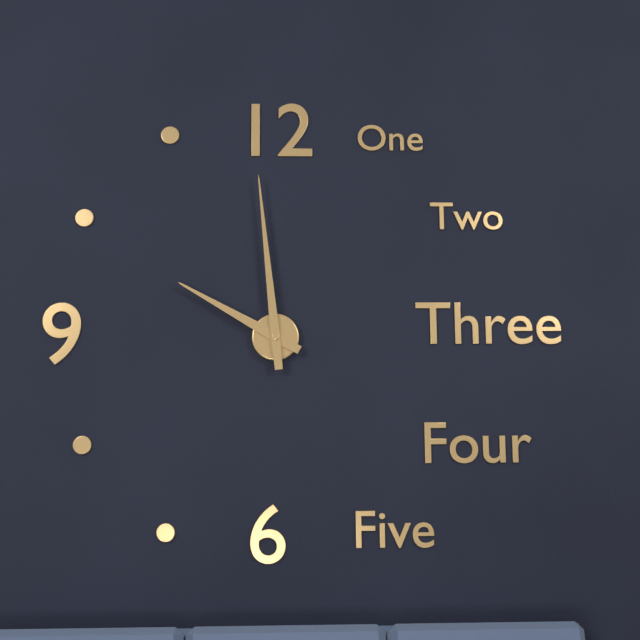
9:59
